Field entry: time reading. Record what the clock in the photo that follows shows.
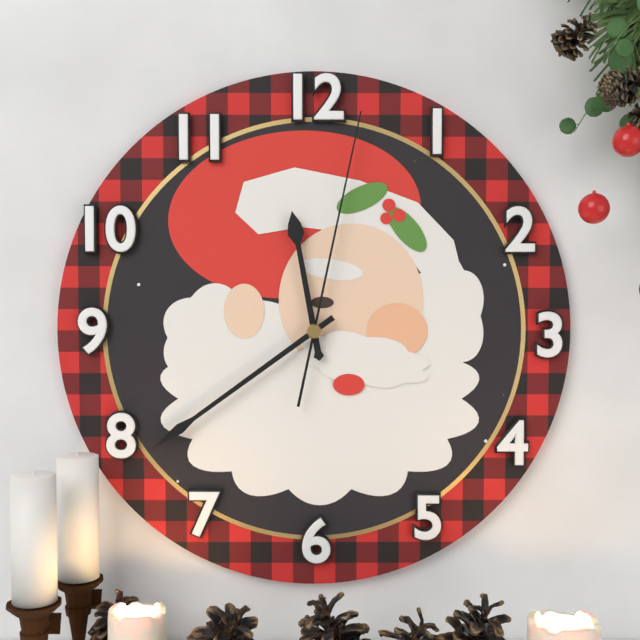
11:39:02
